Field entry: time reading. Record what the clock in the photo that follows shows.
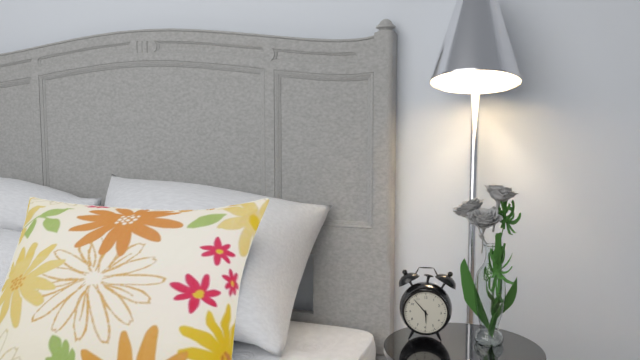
5:53
